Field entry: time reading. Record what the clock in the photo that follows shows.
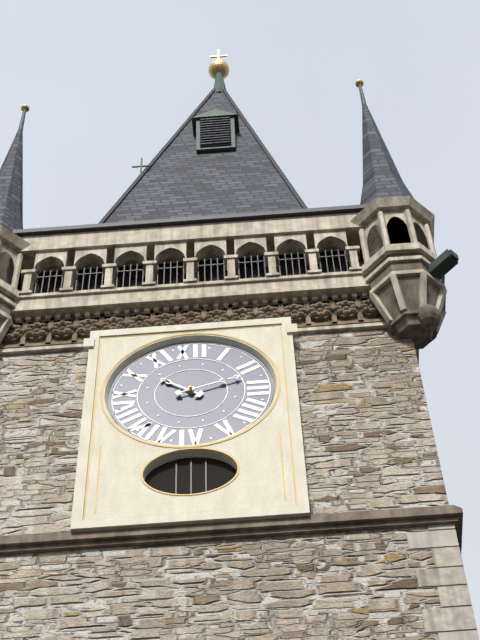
10:12
